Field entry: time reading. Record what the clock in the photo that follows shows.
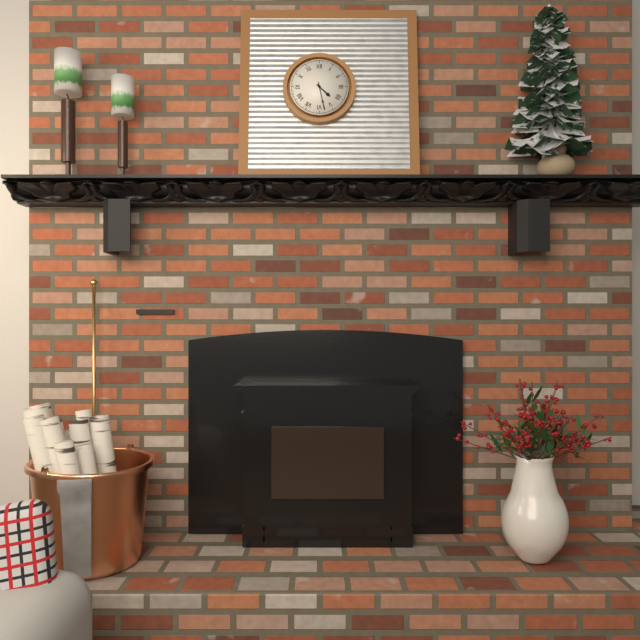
4:28
